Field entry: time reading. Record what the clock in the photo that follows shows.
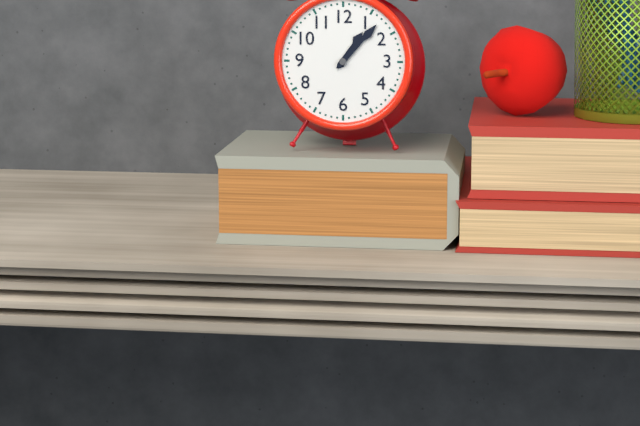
1:07
